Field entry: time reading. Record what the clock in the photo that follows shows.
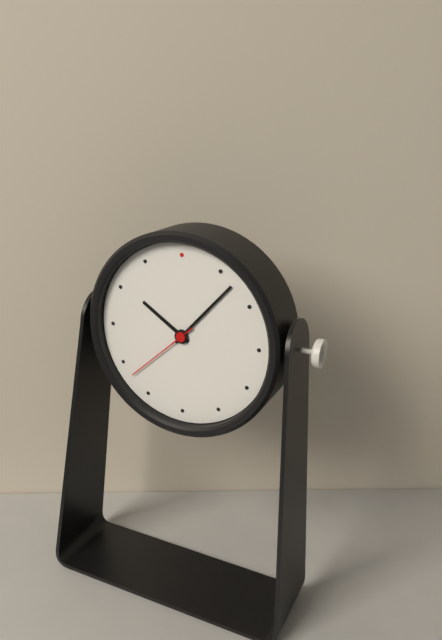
10:07:38
